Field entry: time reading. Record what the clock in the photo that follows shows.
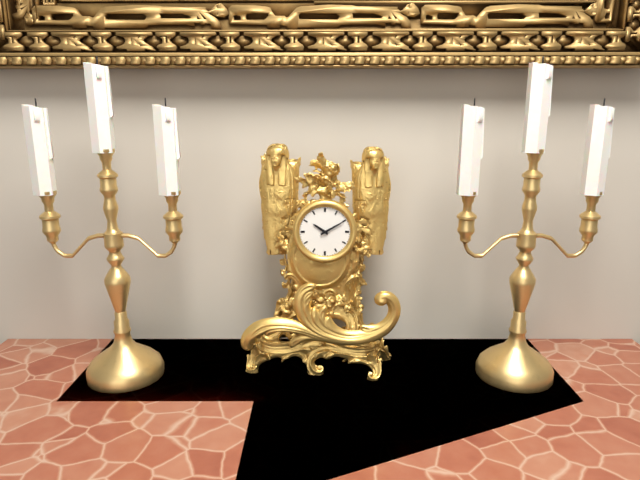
10:10
